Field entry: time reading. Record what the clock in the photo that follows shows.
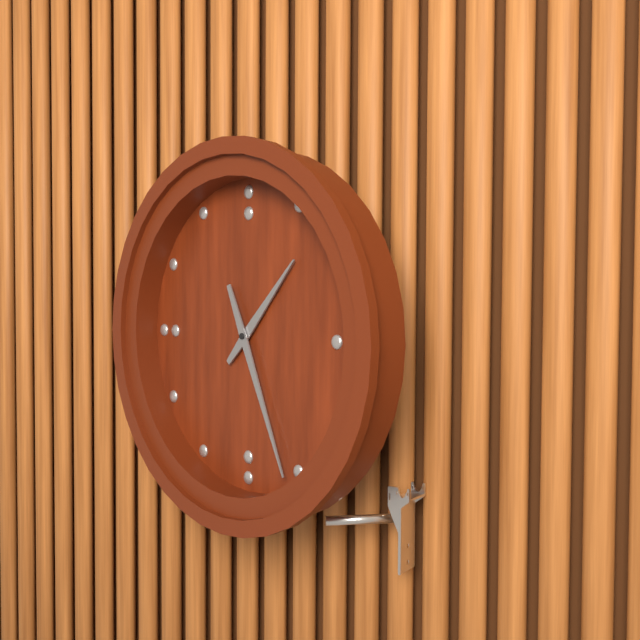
1:26
